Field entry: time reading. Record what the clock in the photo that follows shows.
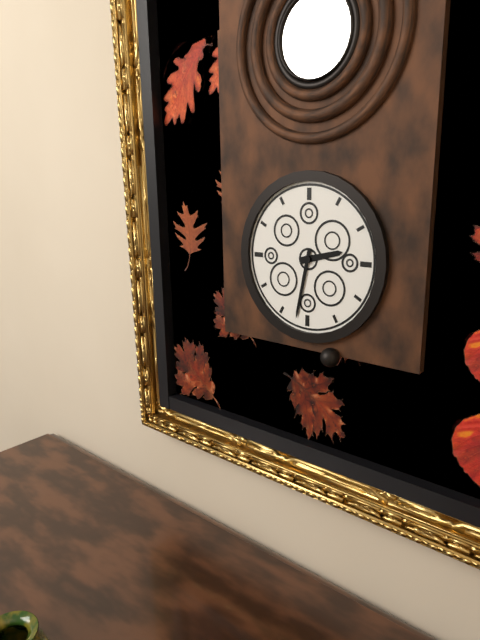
2:32
